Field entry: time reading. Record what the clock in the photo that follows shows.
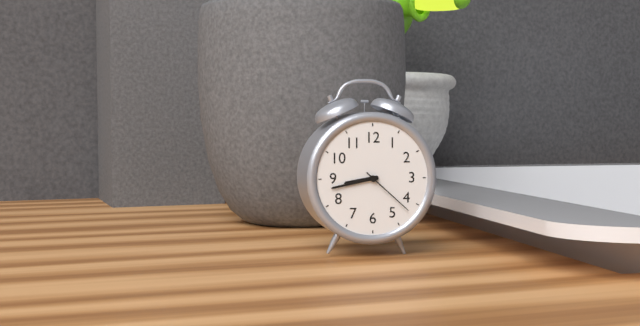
8:43:22
